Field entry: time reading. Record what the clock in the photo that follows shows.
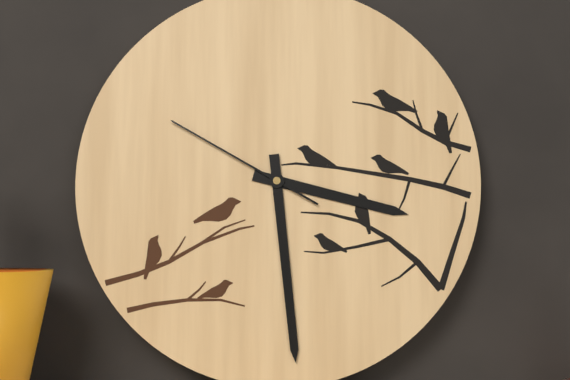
3:29:50
